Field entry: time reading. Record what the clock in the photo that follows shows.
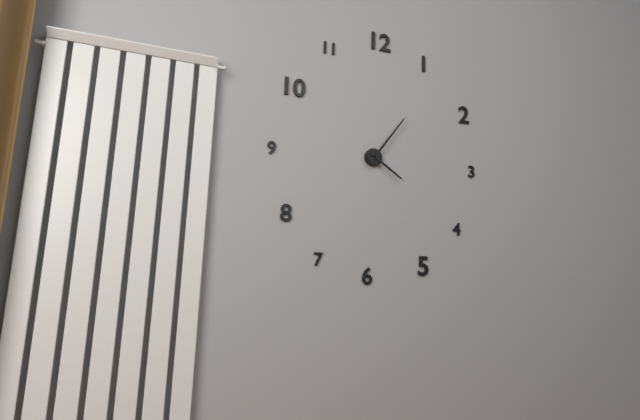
4:06
